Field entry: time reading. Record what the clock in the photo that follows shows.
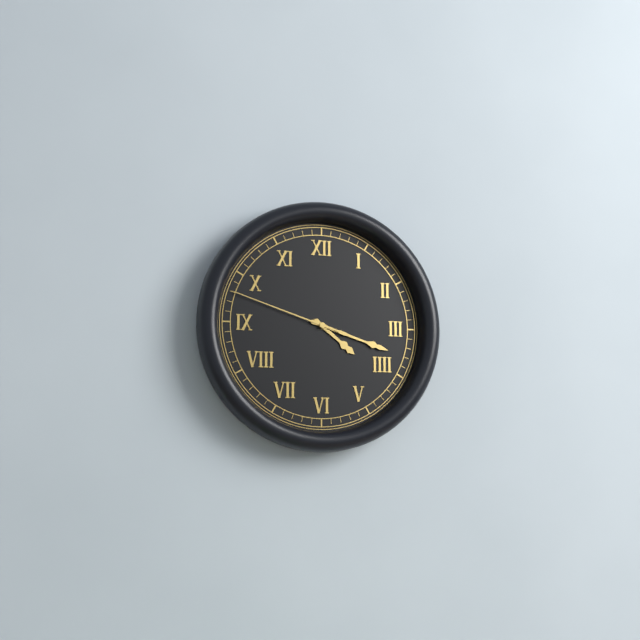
4:18:48
